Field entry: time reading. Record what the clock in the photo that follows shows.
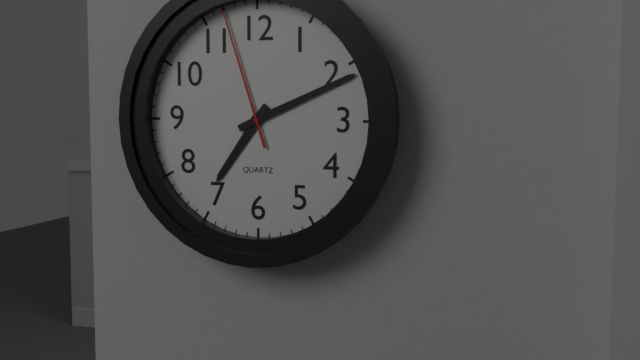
7:11:57
